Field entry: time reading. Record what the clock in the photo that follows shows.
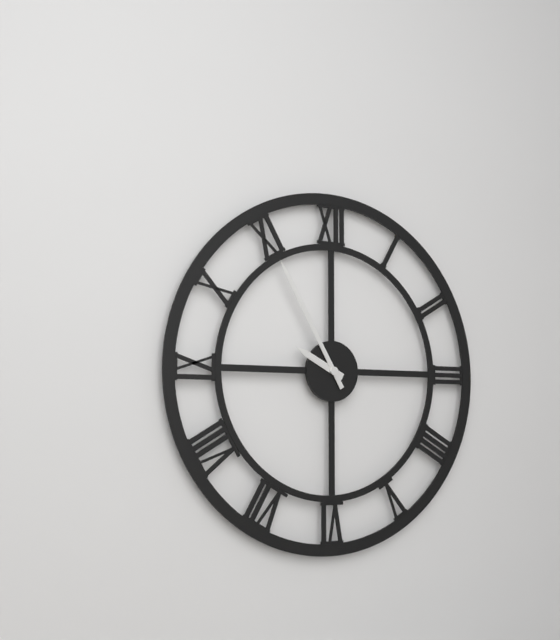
9:55
